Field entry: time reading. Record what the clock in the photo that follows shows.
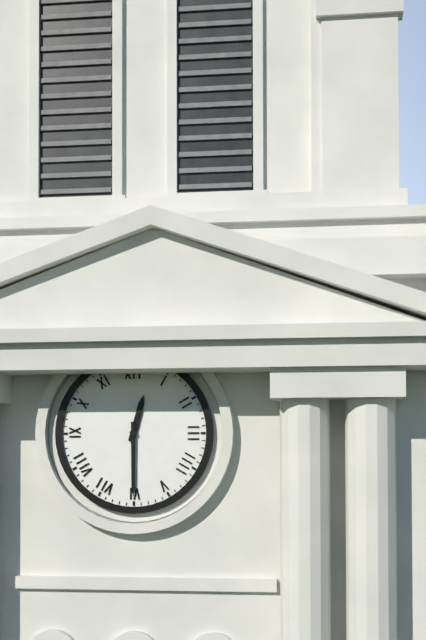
12:30
